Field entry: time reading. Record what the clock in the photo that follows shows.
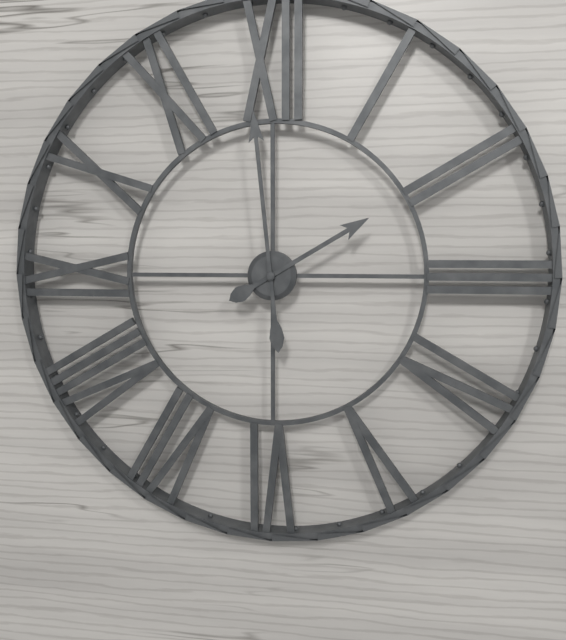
1:59
